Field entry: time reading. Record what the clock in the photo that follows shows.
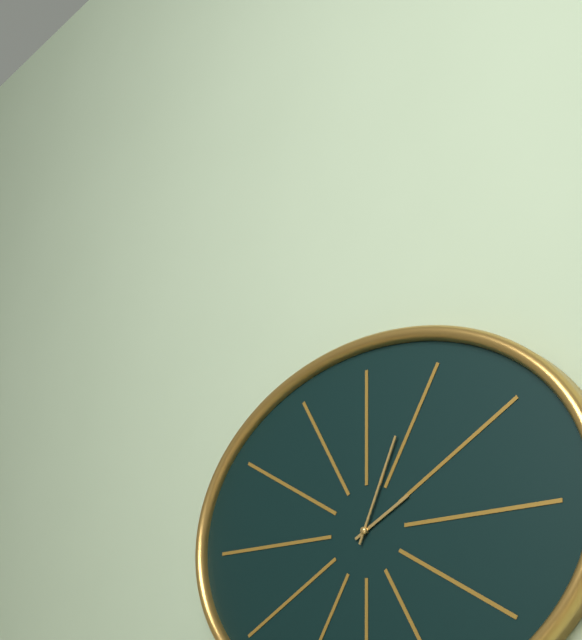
2:04
